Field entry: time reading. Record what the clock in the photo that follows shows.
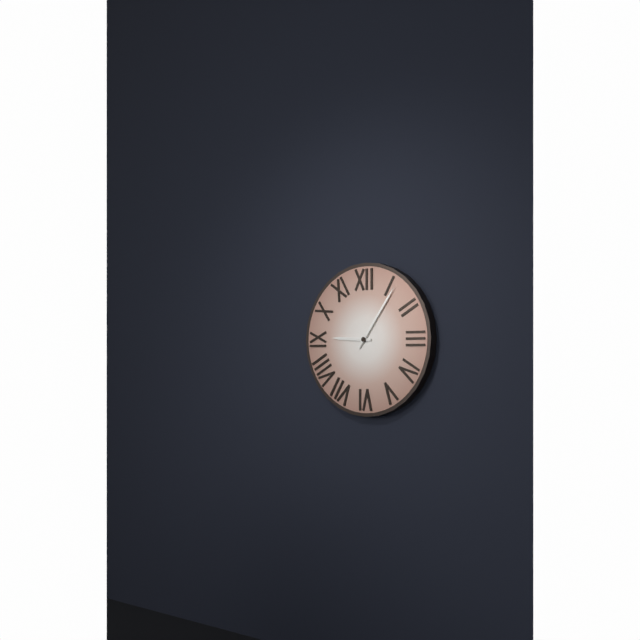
9:06
